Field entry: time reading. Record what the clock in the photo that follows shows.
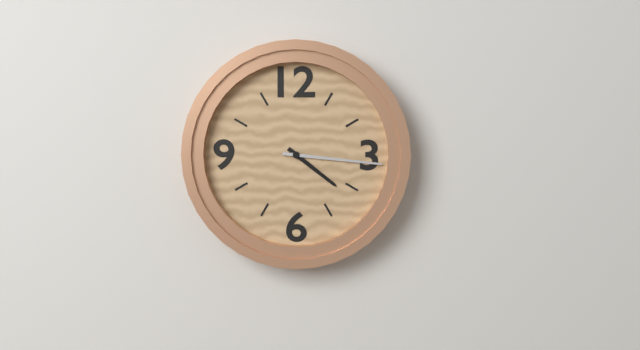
4:16
